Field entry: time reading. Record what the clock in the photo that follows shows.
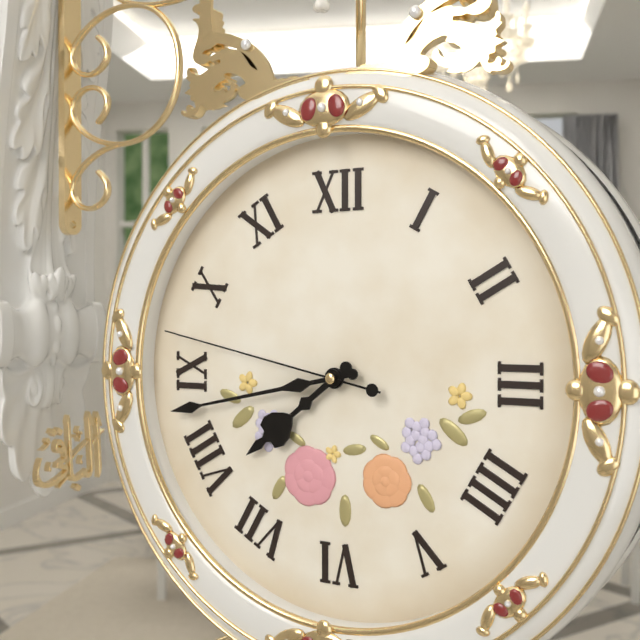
7:43:47
